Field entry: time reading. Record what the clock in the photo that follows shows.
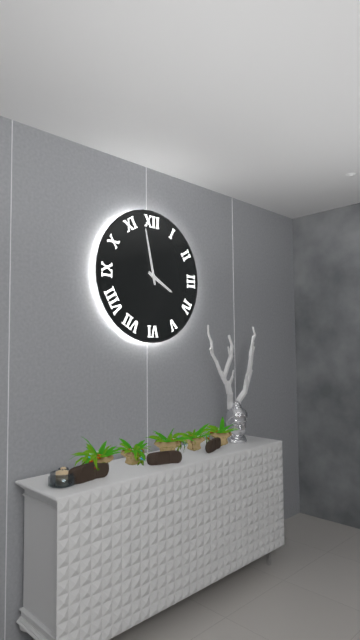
3:58
